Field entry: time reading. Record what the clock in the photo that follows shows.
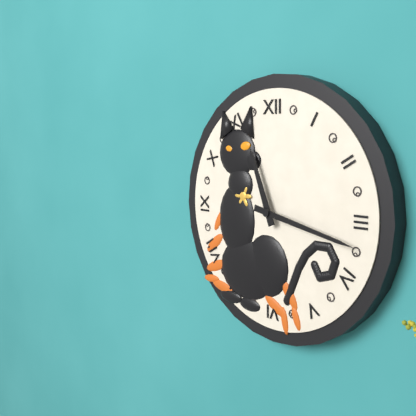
11:17
